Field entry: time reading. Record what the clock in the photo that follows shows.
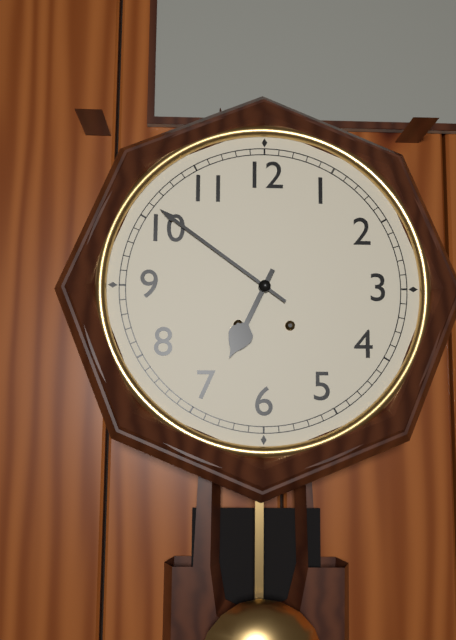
6:51
